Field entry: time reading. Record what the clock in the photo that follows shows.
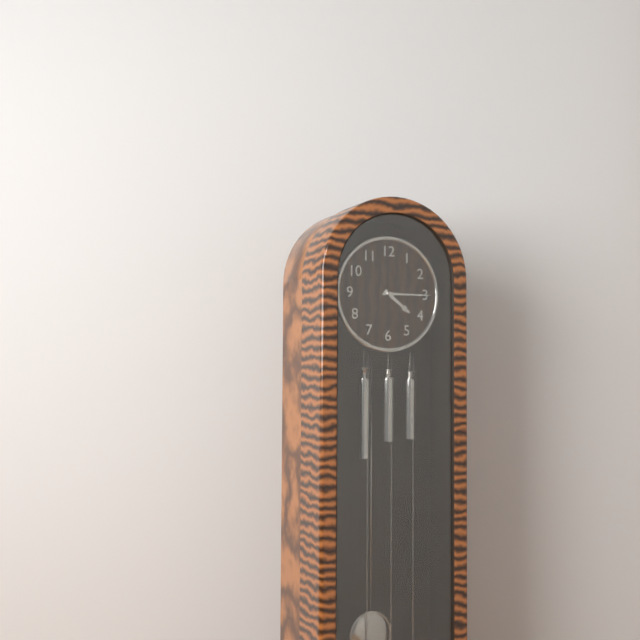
4:15
